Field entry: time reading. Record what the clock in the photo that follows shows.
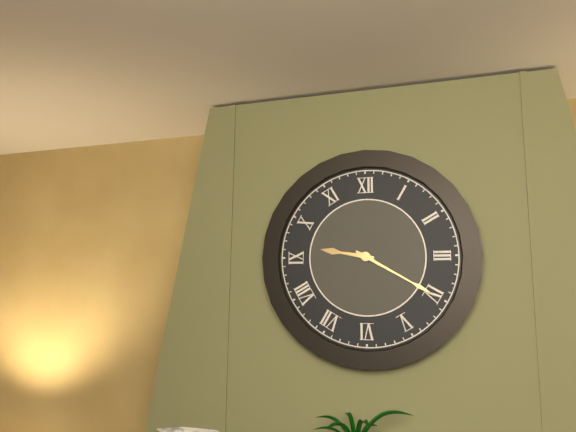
9:20
